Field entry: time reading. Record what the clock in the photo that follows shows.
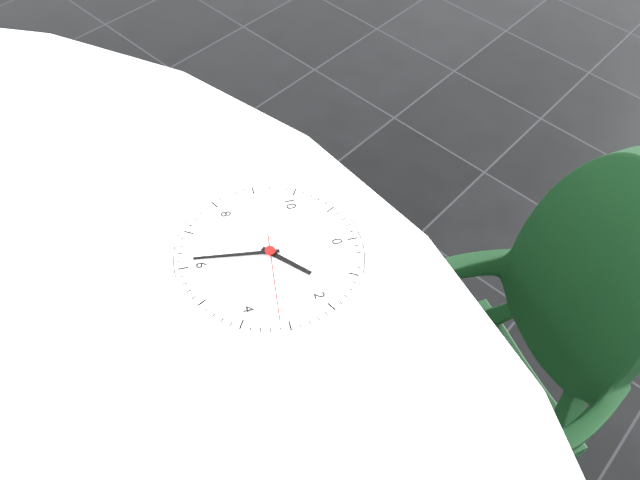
1:31:16
